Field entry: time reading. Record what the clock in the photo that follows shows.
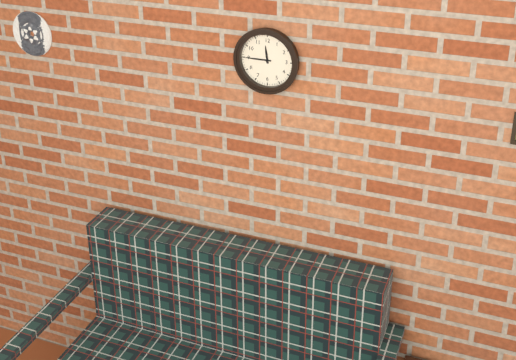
11:45
